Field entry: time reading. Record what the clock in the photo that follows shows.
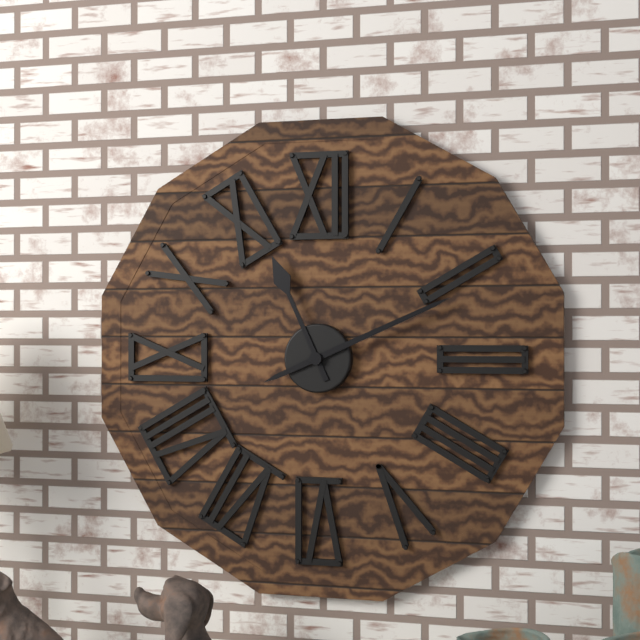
11:11
